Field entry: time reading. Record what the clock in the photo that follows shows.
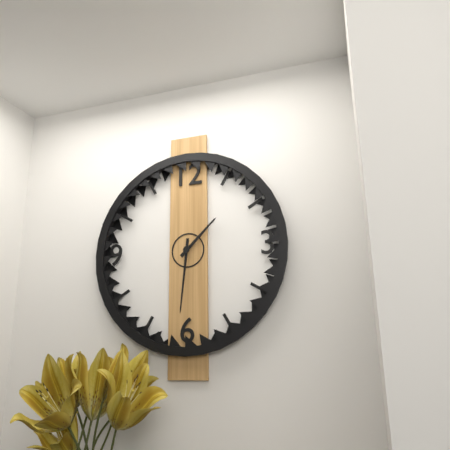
1:31
